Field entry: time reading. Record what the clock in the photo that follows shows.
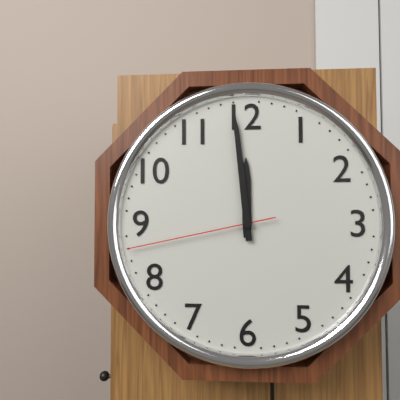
11:59:43
